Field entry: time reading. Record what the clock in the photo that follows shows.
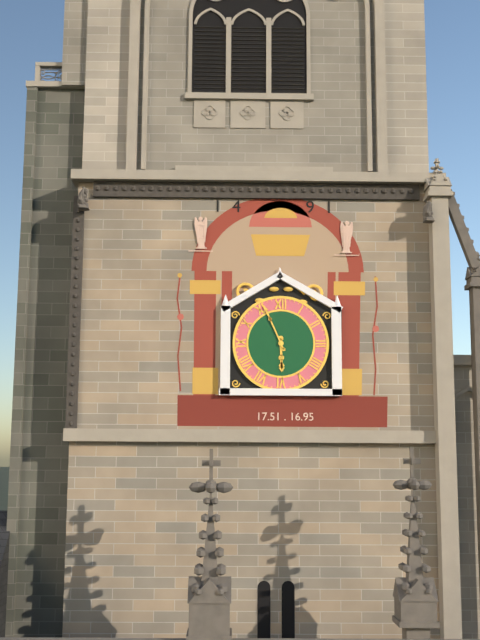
5:56
